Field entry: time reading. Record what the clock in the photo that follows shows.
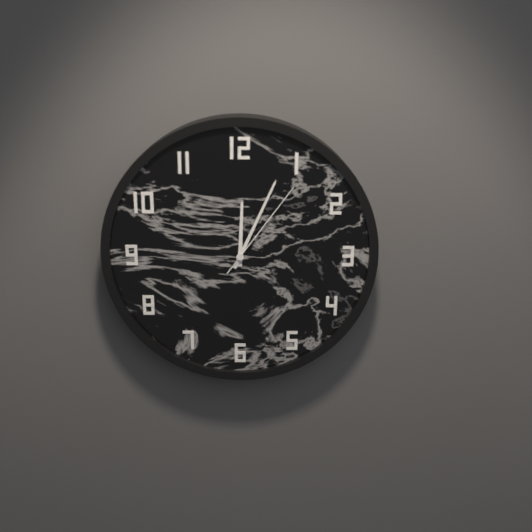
12:04:06
